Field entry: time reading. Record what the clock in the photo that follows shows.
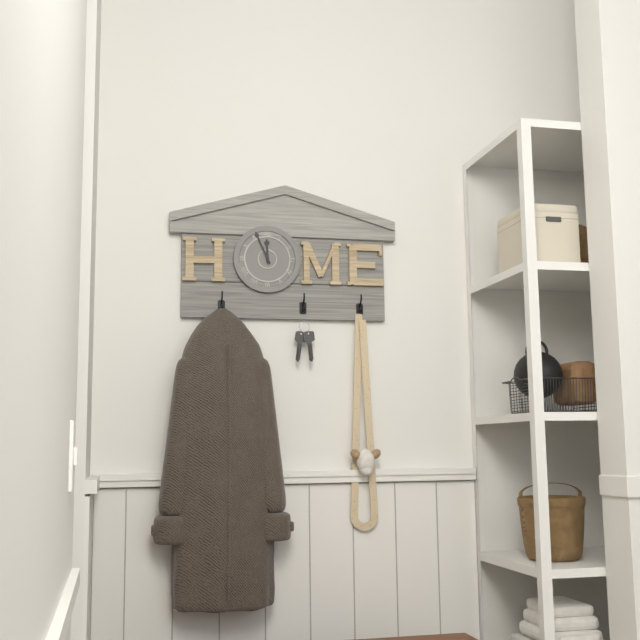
11:56
